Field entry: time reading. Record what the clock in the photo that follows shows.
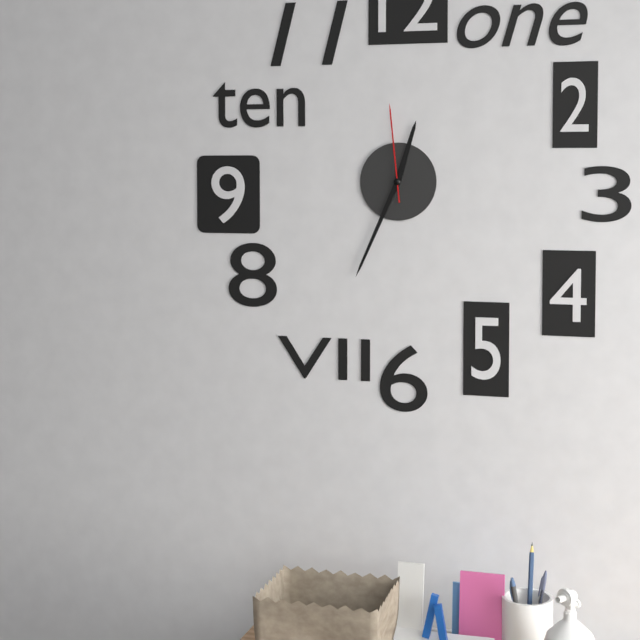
12:34:59
